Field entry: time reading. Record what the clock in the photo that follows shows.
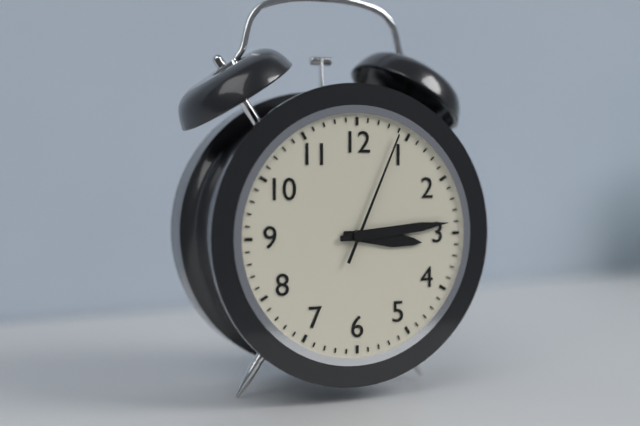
3:14:04
